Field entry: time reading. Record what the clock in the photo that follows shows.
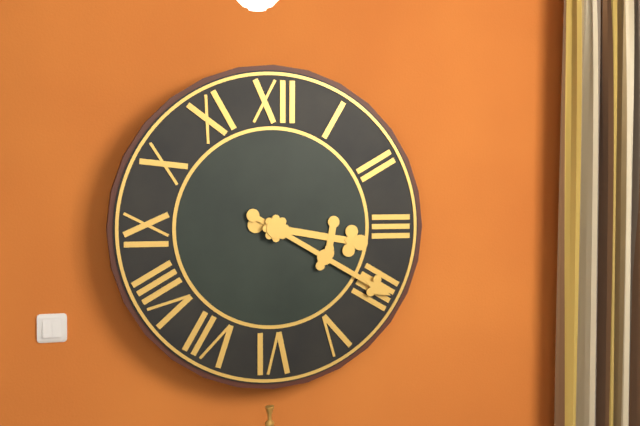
3:20
